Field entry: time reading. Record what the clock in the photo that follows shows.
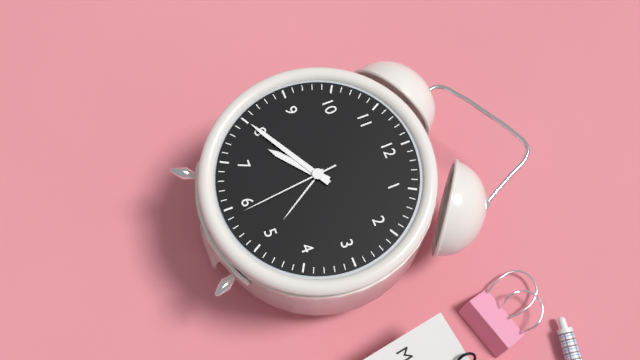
7:40:29
